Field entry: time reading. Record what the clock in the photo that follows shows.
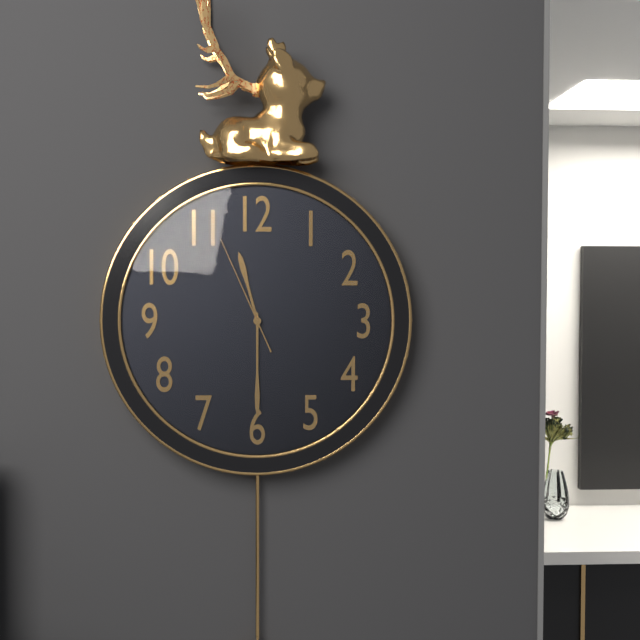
11:30:56
